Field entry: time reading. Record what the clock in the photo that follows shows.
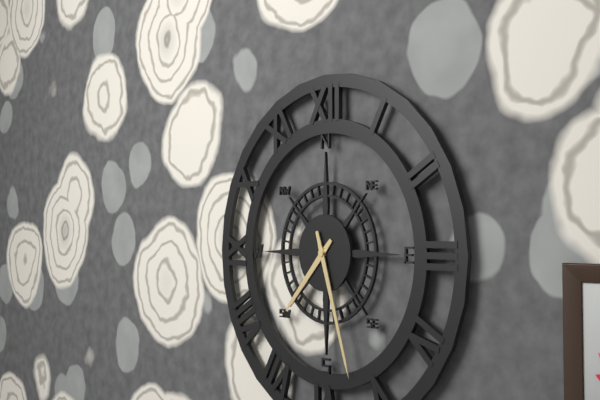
7:27
